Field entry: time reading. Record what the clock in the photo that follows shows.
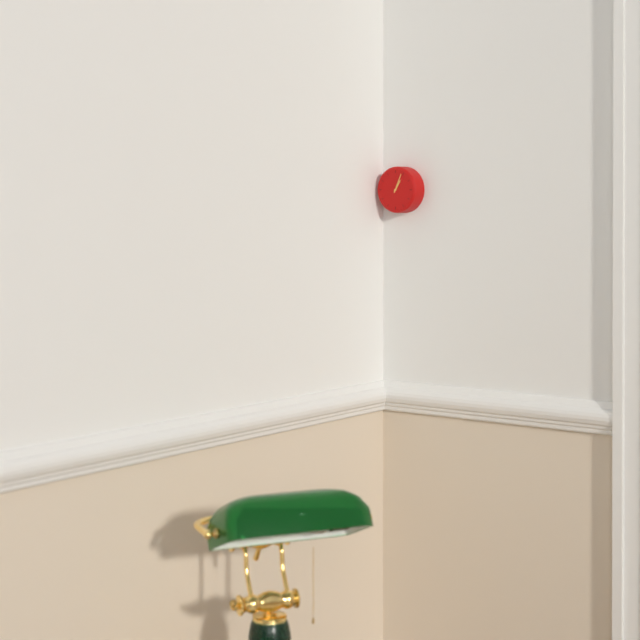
1:04
